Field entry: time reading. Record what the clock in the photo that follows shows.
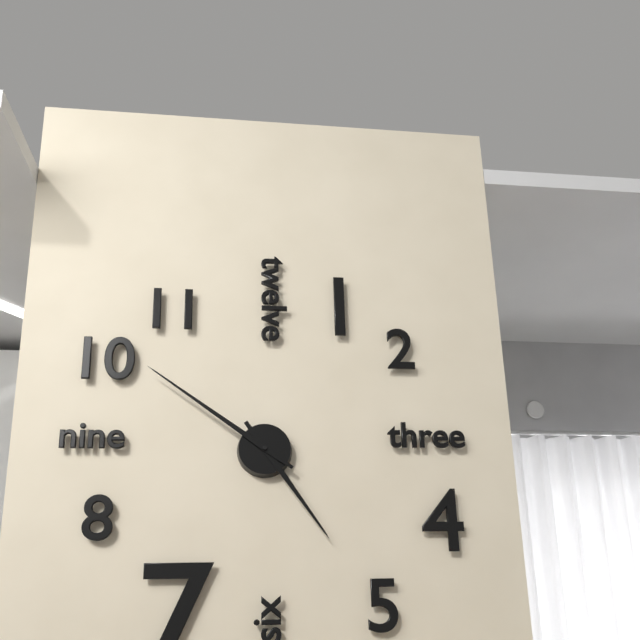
4:51
